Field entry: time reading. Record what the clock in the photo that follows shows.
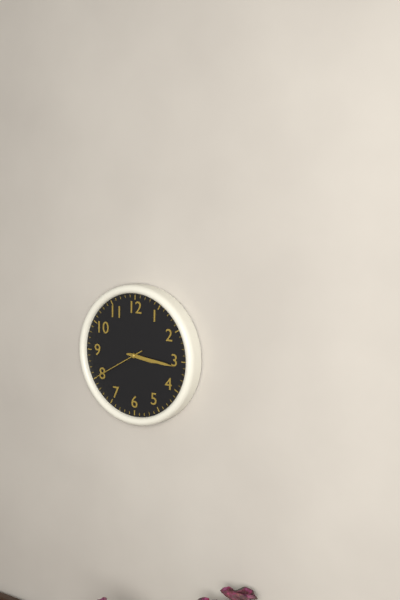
3:16:40
